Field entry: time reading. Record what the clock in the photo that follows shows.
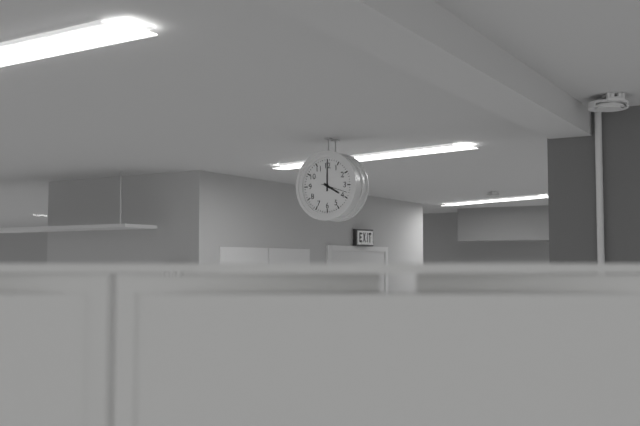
4:00
